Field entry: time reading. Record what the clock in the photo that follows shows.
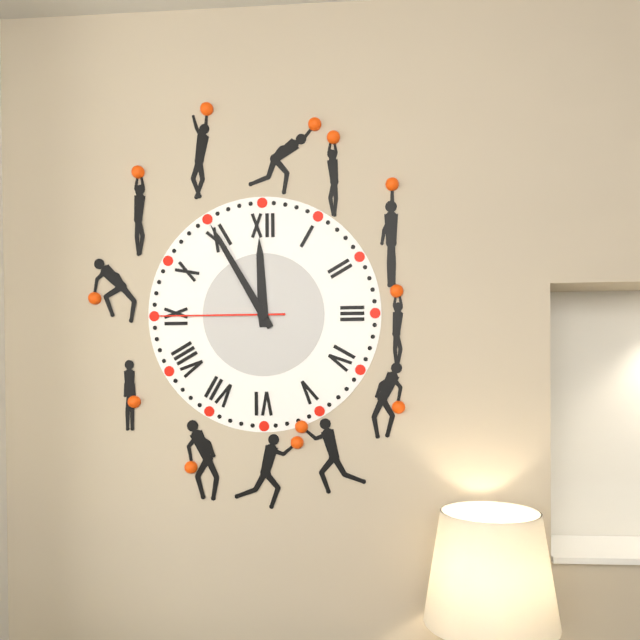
11:55:45
